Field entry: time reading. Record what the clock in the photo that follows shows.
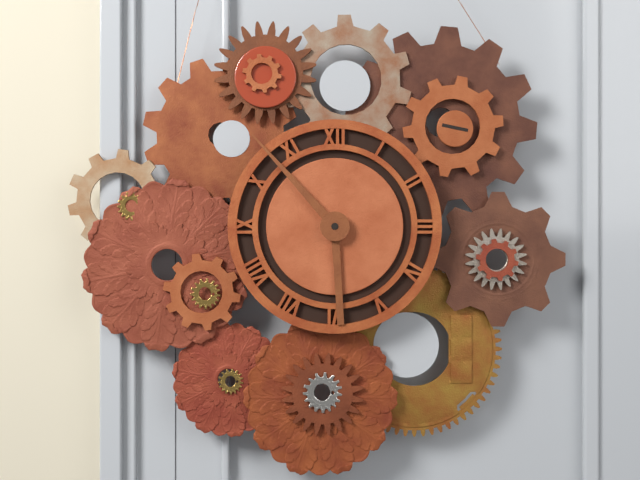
5:53
